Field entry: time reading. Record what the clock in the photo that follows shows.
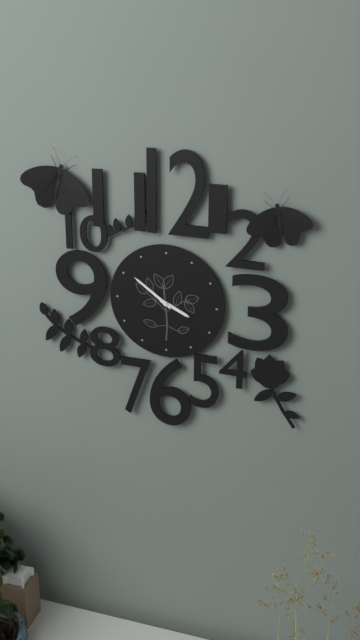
3:51
